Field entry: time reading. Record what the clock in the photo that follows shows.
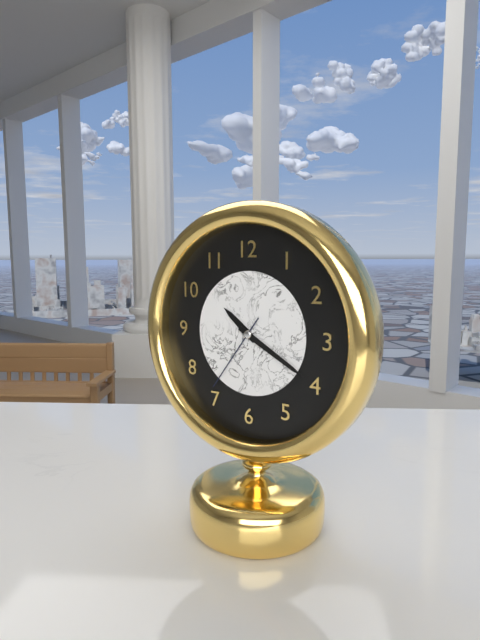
10:20:36
